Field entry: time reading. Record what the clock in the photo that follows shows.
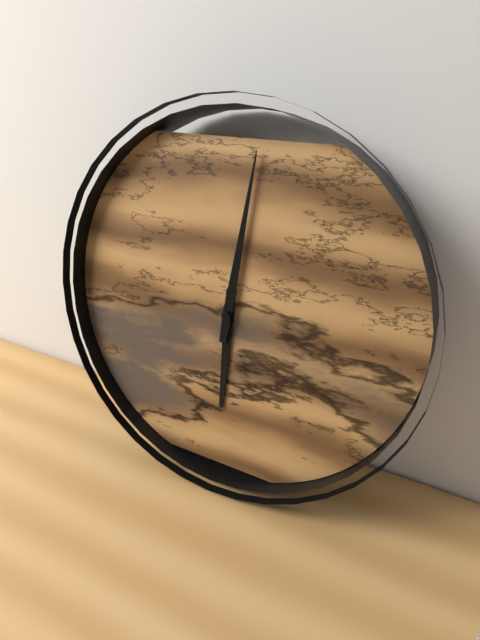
6:01
